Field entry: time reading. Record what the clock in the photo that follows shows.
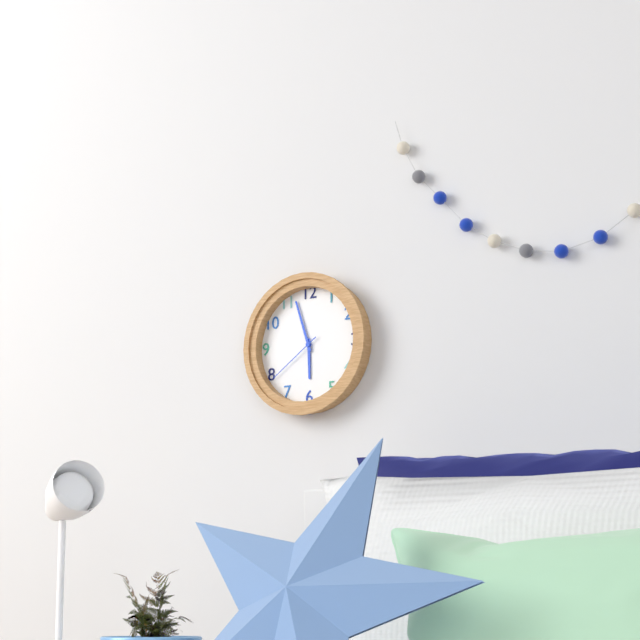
5:57:39
